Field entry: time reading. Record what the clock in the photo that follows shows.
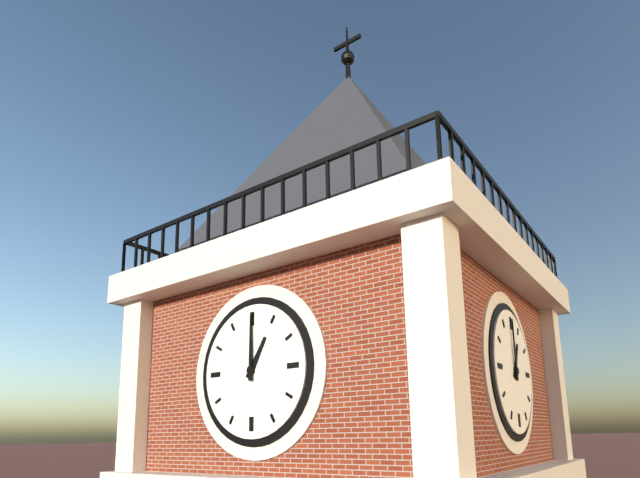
1:00
